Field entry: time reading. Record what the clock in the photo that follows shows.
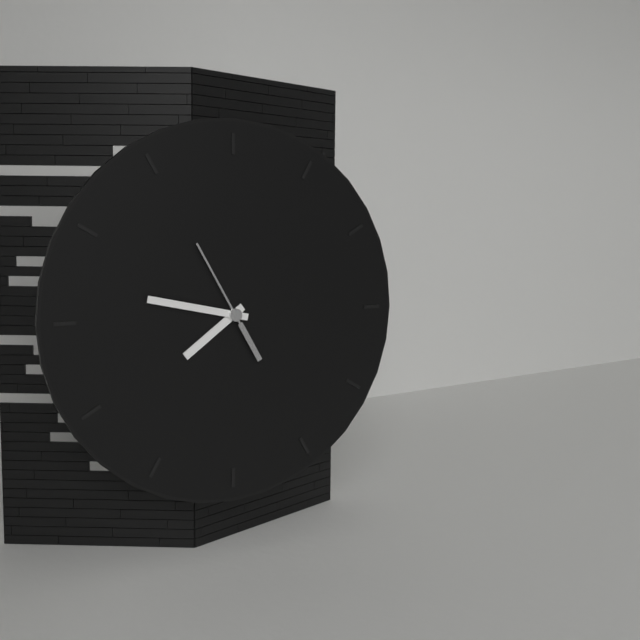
7:47:55
